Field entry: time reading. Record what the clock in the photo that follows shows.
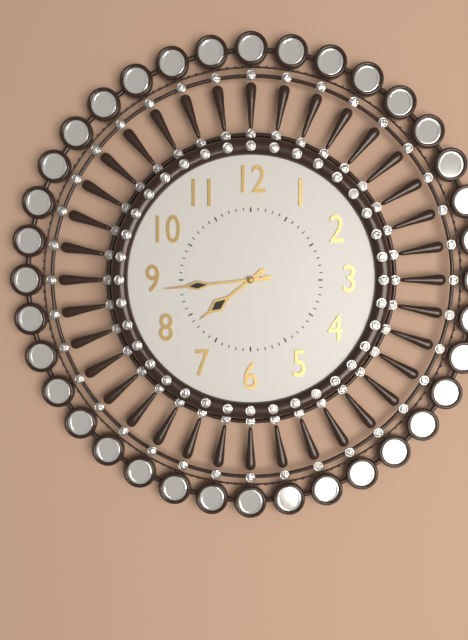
7:44
